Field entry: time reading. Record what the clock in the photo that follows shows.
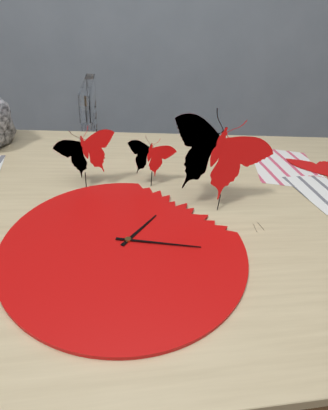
1:17
